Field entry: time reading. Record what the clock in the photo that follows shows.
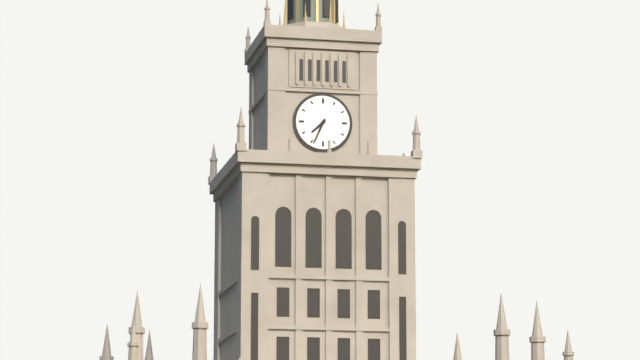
7:34
